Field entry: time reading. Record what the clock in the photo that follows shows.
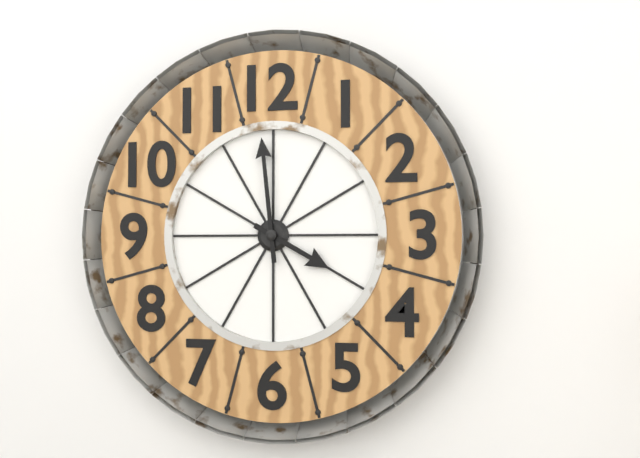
3:59
